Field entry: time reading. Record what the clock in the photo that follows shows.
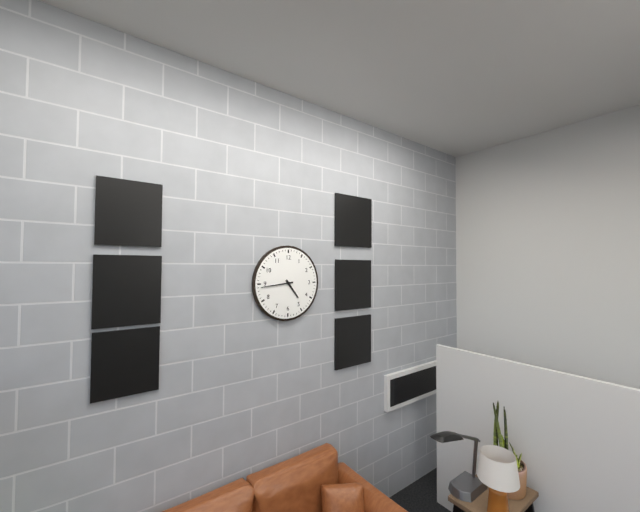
4:44
